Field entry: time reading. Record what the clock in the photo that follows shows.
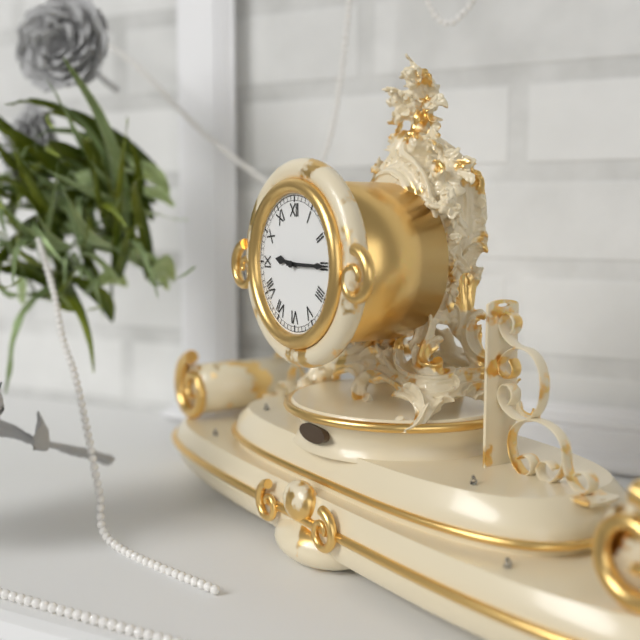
9:15
